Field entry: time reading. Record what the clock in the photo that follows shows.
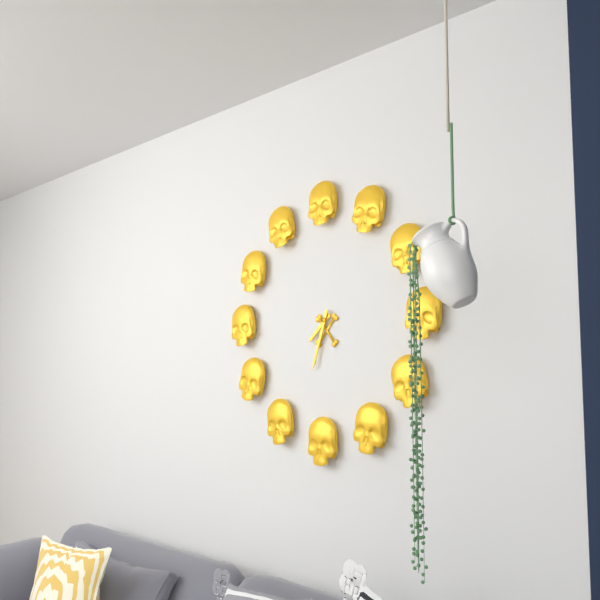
7:33
